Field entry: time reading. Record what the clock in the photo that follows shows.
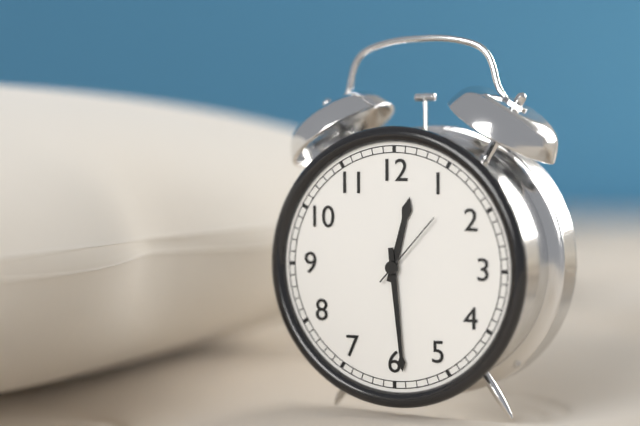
12:29:07
